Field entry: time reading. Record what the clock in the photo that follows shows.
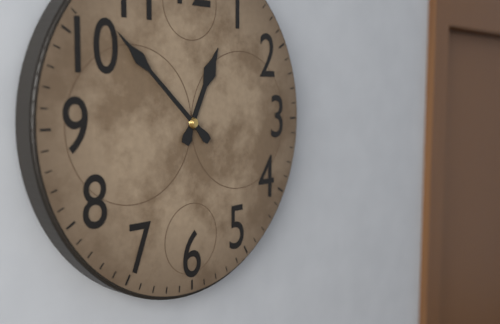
12:52
